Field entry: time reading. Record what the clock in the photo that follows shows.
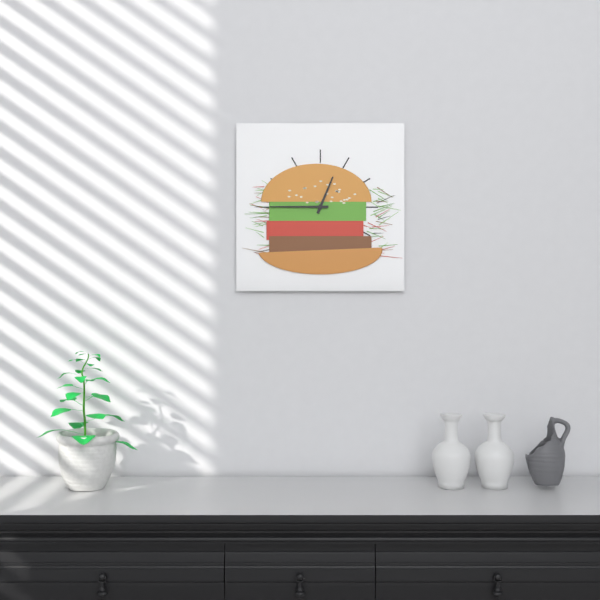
12:45
